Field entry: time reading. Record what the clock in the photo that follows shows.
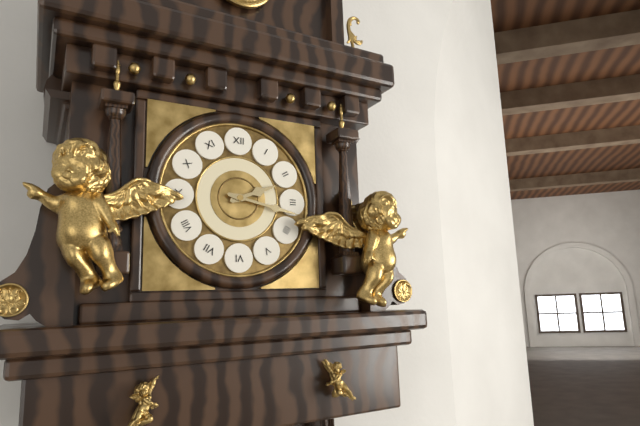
2:17
